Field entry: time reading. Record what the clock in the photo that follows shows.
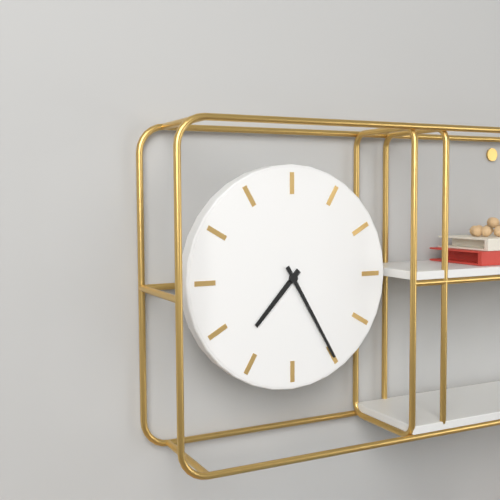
7:25
